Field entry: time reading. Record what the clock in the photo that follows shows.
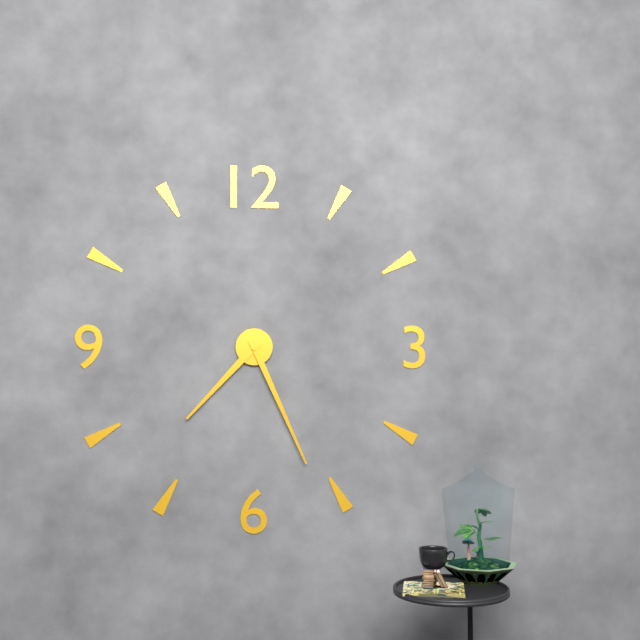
7:26
